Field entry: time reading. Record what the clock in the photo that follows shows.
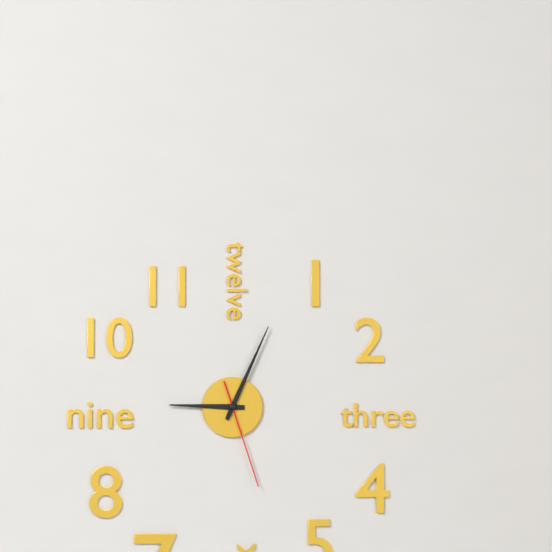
9:04:27
